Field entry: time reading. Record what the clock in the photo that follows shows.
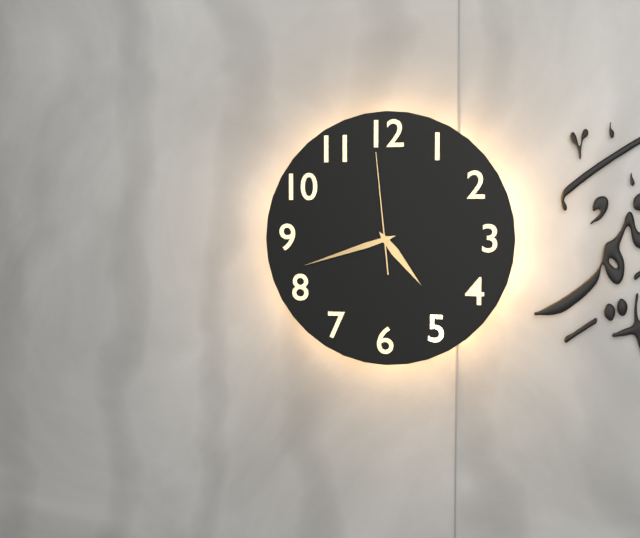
4:42:59
